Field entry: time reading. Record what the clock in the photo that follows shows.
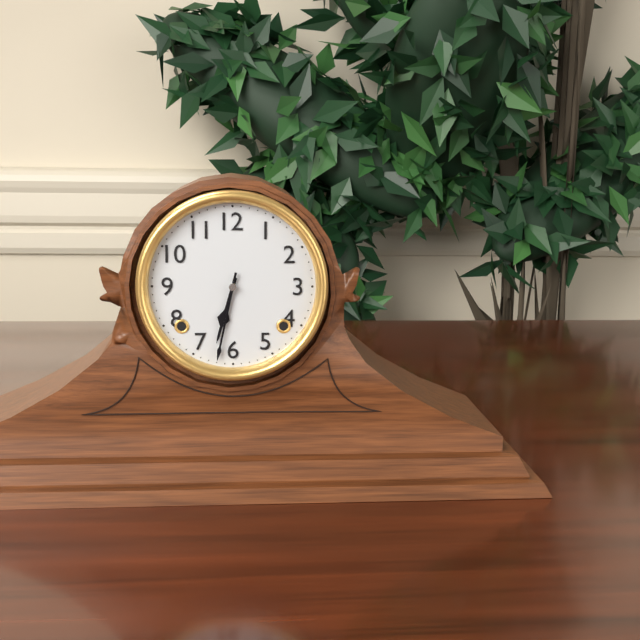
6:32
